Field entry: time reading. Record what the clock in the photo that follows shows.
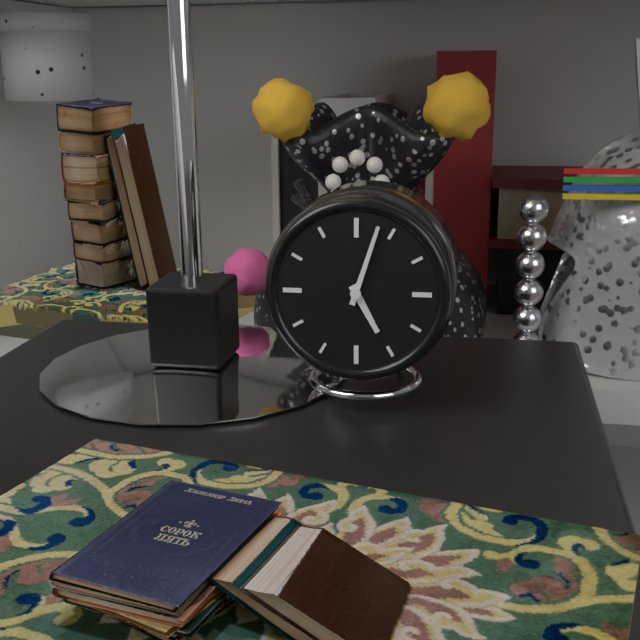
5:03
